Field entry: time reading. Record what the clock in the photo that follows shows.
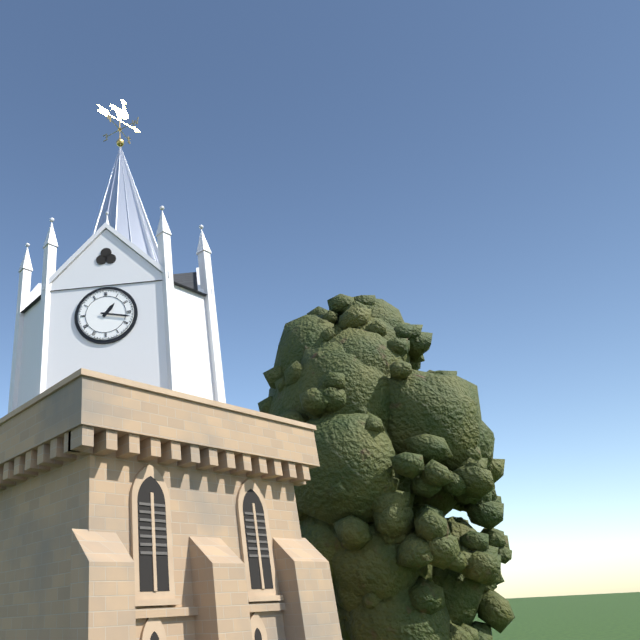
1:17
